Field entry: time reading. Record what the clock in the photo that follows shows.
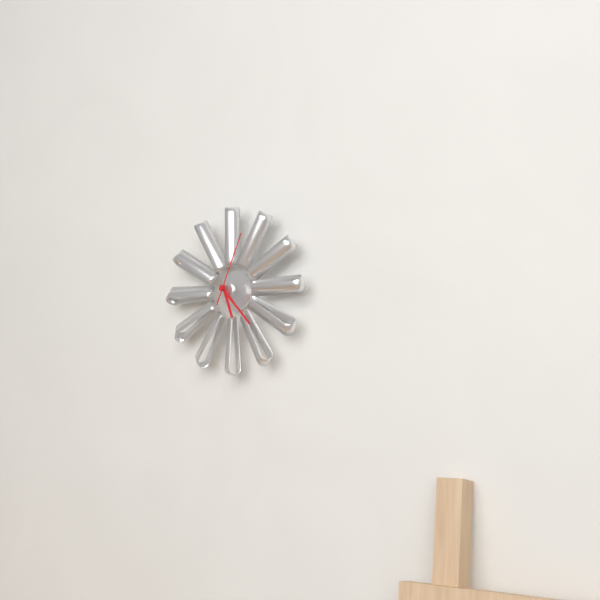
5:23:04
